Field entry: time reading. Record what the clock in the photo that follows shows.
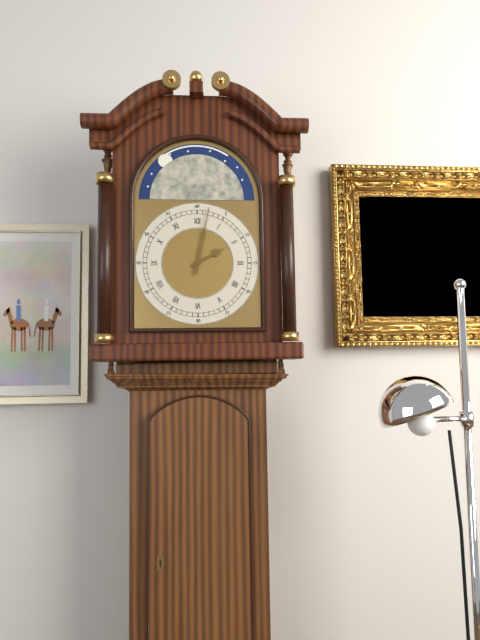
2:02
